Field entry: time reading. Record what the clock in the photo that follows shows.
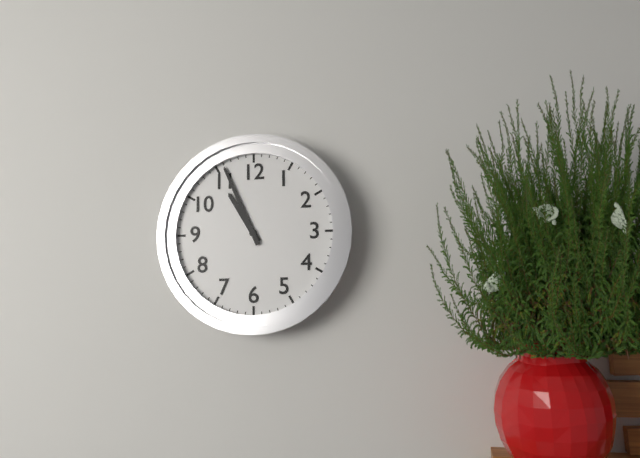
10:56
